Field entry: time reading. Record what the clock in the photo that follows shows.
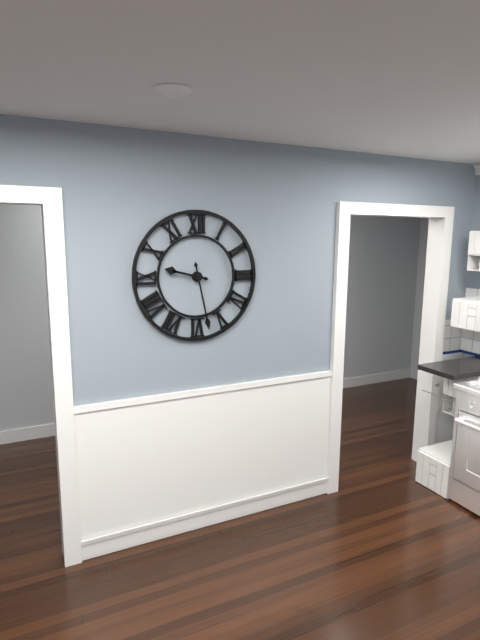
9:28
